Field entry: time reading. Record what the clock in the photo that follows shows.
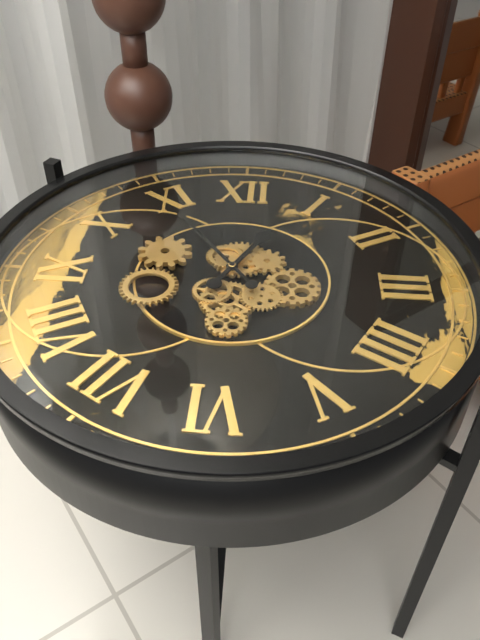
12:54
